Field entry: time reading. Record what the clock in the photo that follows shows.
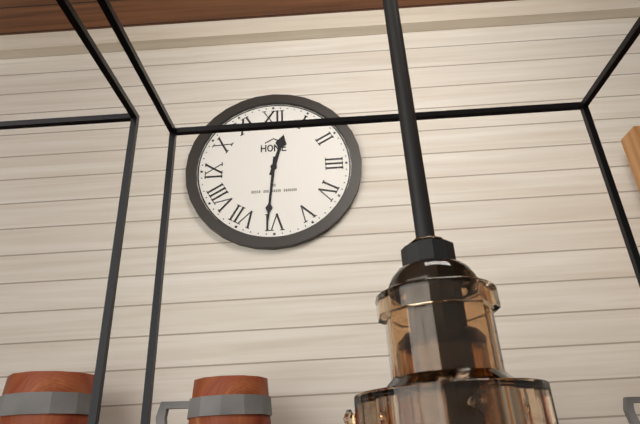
12:31
